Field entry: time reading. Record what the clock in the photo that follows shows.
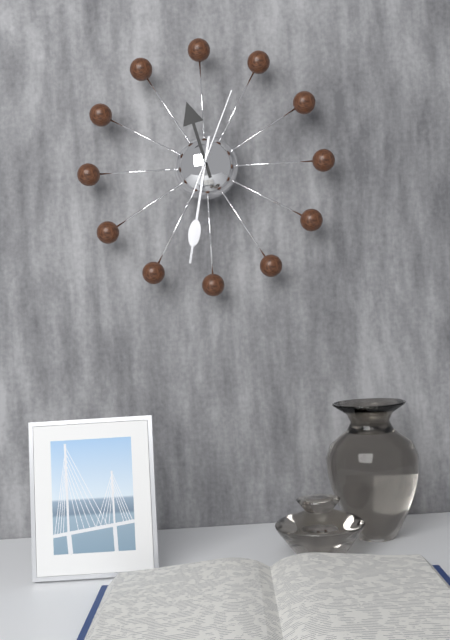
11:32:04
